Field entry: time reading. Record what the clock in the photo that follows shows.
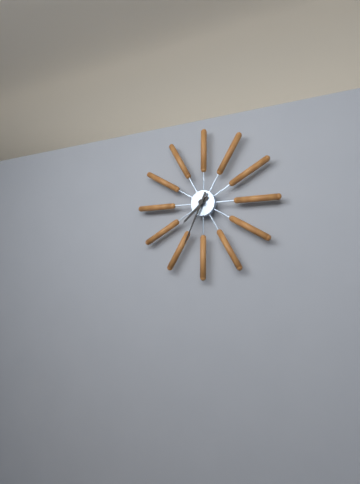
7:34
